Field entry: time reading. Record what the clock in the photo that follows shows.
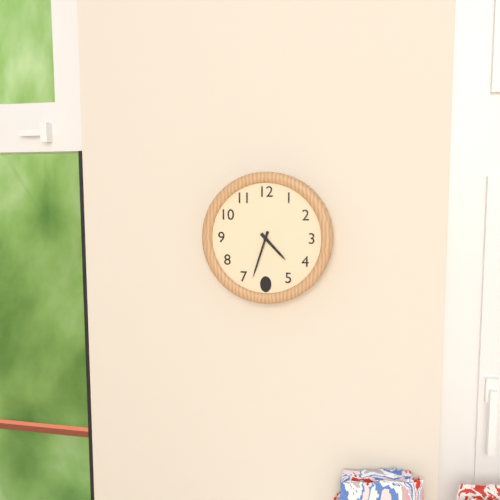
4:33
